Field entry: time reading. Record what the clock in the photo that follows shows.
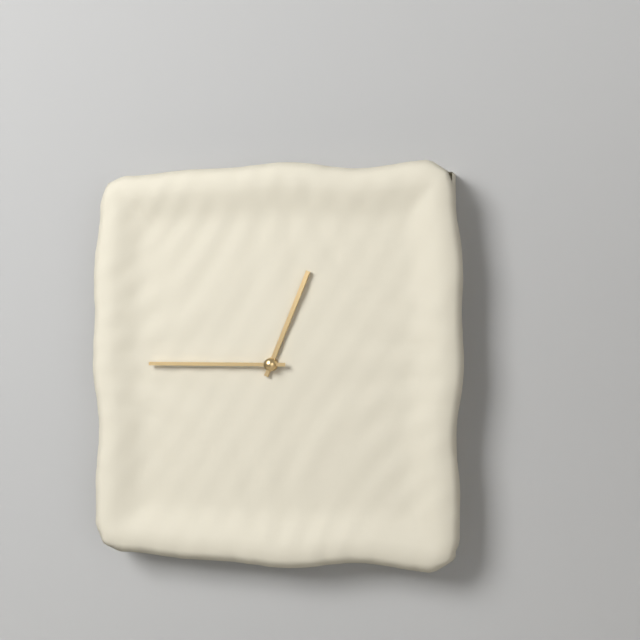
12:45
